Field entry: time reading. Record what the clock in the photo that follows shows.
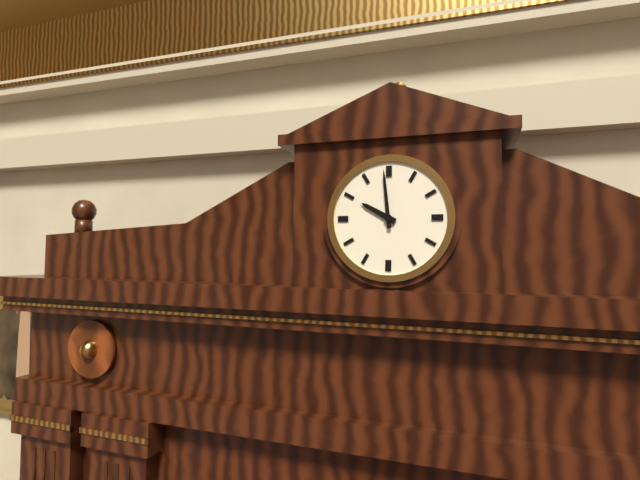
9:59
